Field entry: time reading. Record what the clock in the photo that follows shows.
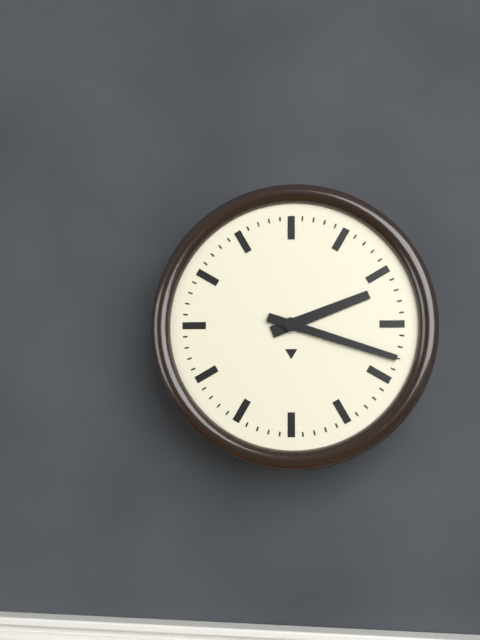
2:18
